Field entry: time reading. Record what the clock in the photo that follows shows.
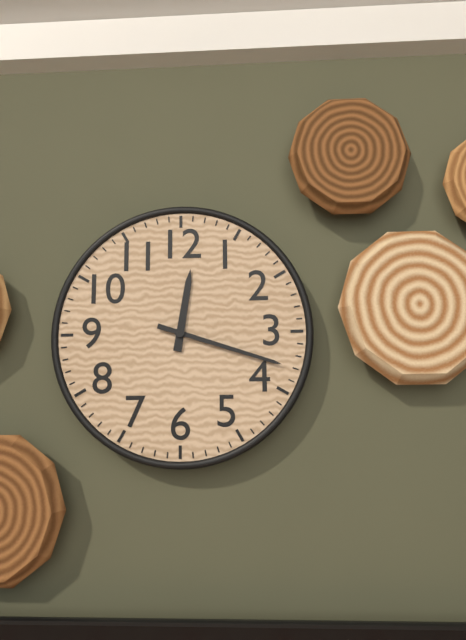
12:18
